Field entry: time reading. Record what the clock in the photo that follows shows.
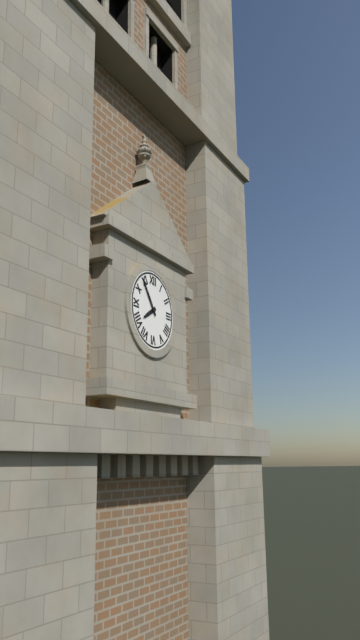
7:54
